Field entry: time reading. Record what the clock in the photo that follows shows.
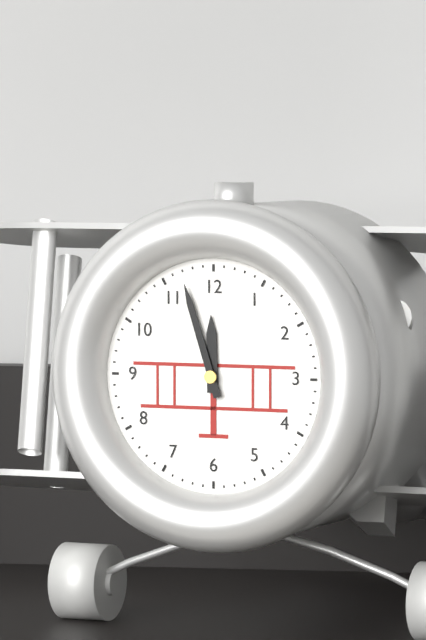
11:57
